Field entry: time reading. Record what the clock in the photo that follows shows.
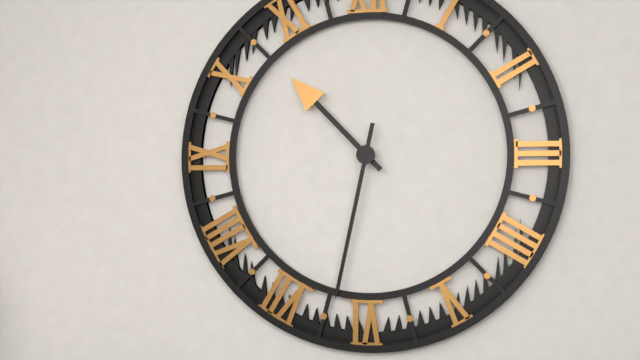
10:32
